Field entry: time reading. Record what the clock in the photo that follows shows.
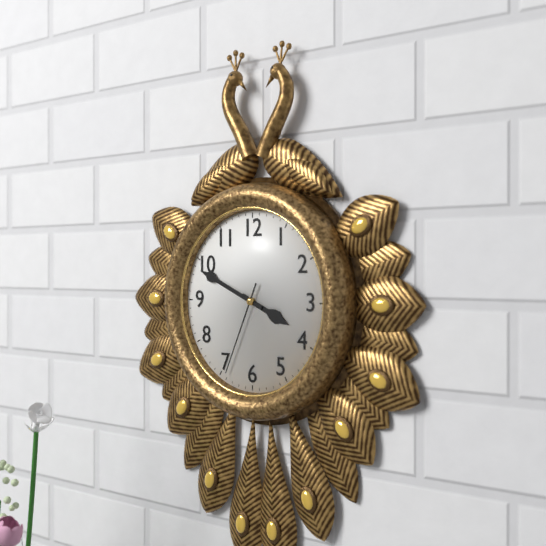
3:49:34
